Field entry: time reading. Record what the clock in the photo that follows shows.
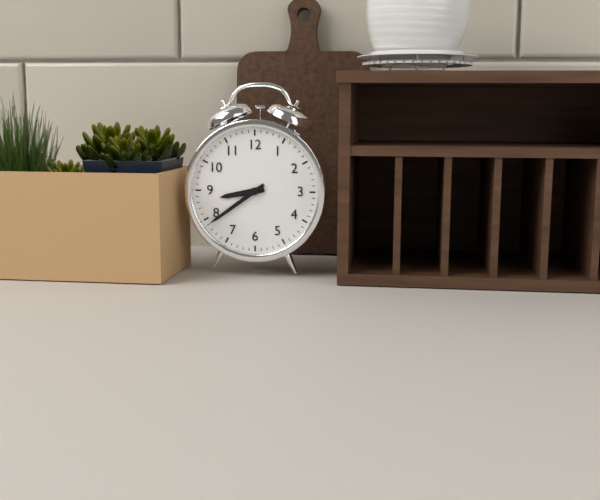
8:39
